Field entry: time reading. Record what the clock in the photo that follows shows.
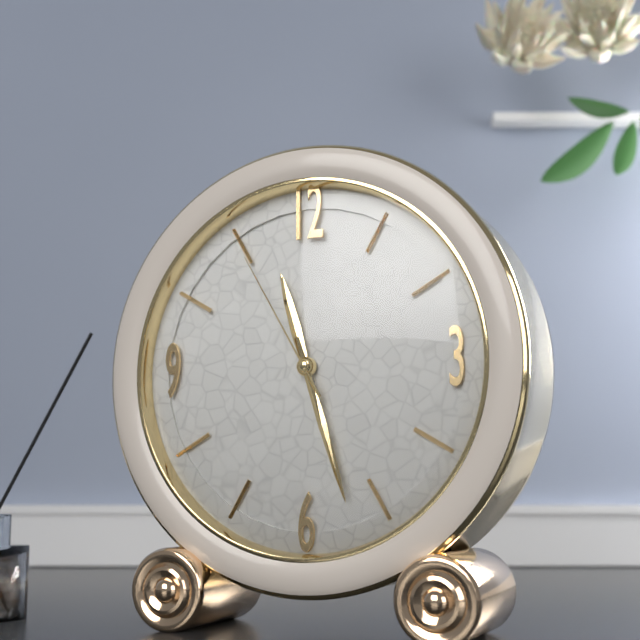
11:27:55
